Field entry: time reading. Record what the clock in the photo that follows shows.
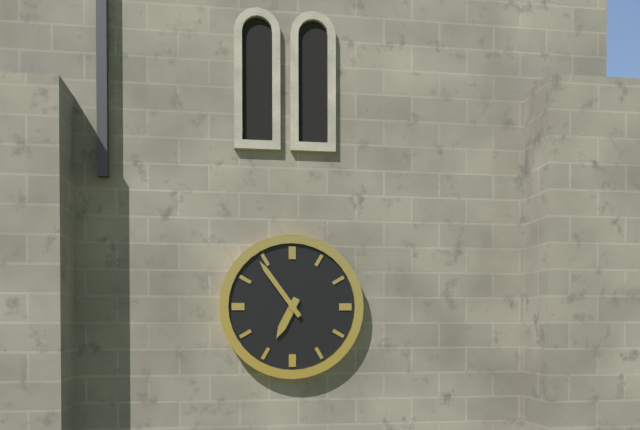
6:54
